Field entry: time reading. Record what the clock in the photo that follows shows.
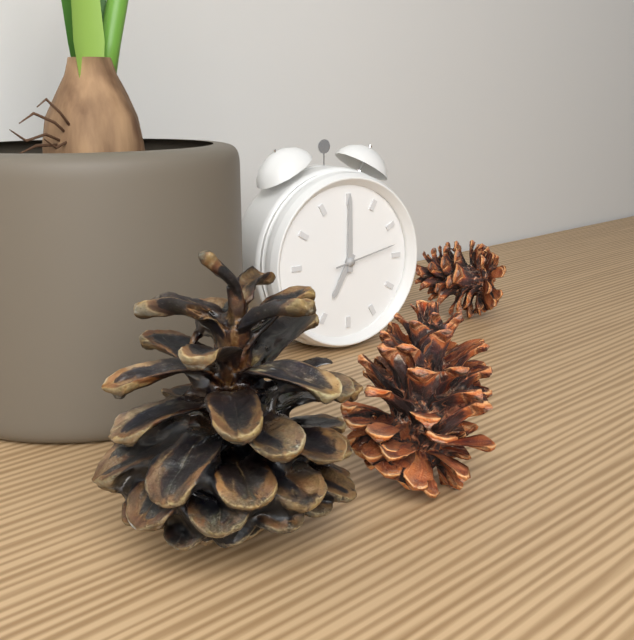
7:00:13
